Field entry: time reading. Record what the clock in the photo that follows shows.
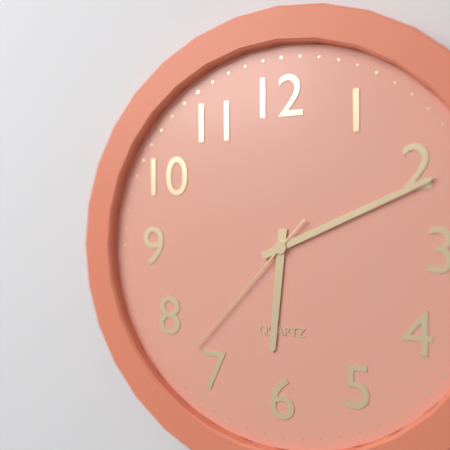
6:11:37
